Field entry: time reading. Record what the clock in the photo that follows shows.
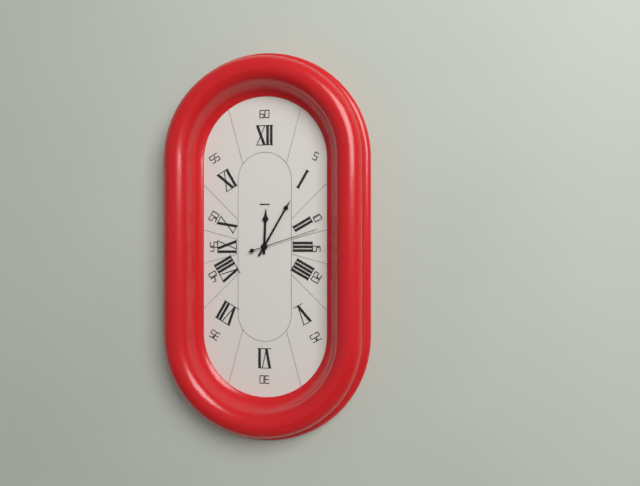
12:05:12
